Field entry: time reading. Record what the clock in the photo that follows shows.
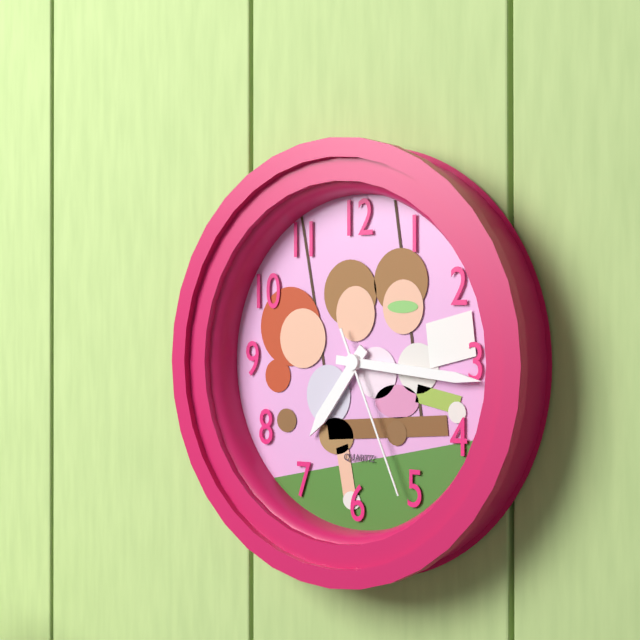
7:16:26
